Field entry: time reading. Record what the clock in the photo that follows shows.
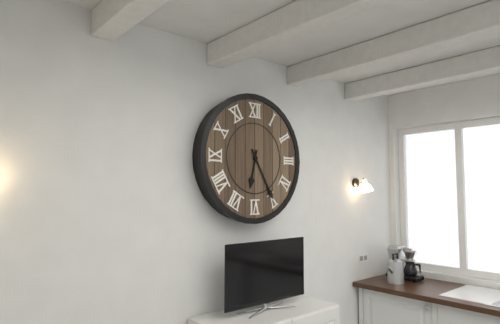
6:25
